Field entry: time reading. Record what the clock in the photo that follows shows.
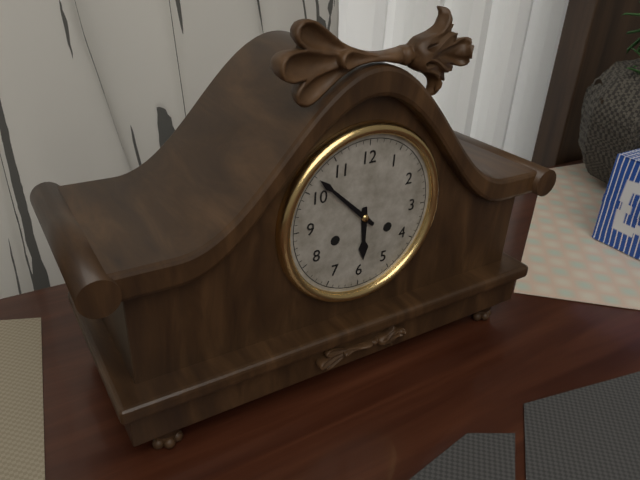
5:52
